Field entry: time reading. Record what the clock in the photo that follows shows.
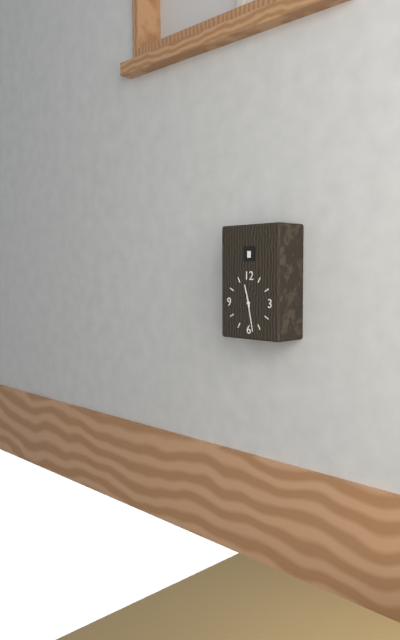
11:28
